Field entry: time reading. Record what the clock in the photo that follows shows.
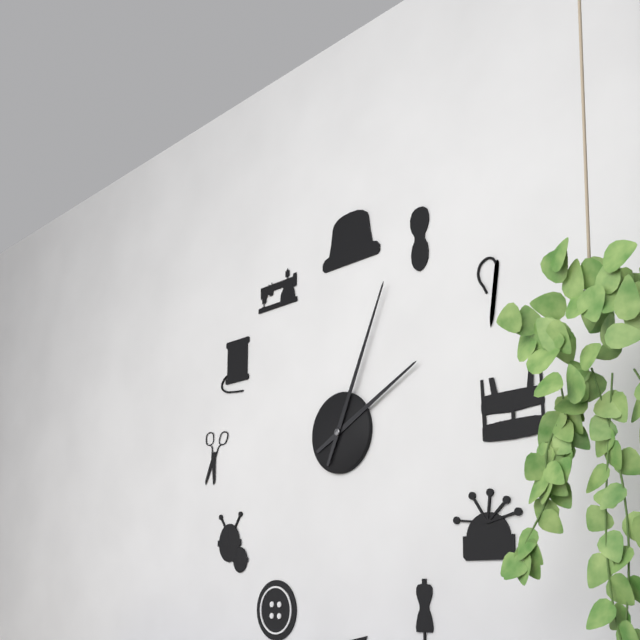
2:04
